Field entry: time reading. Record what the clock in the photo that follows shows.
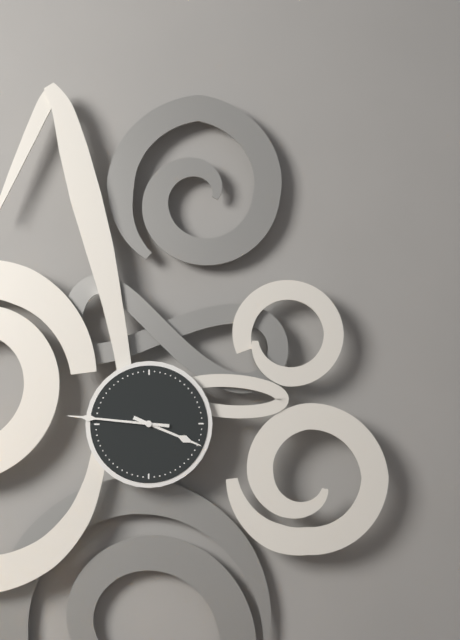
3:46
